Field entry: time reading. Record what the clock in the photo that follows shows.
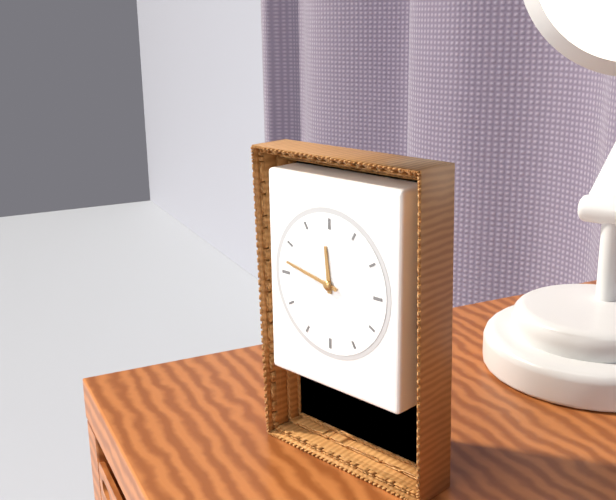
11:47
